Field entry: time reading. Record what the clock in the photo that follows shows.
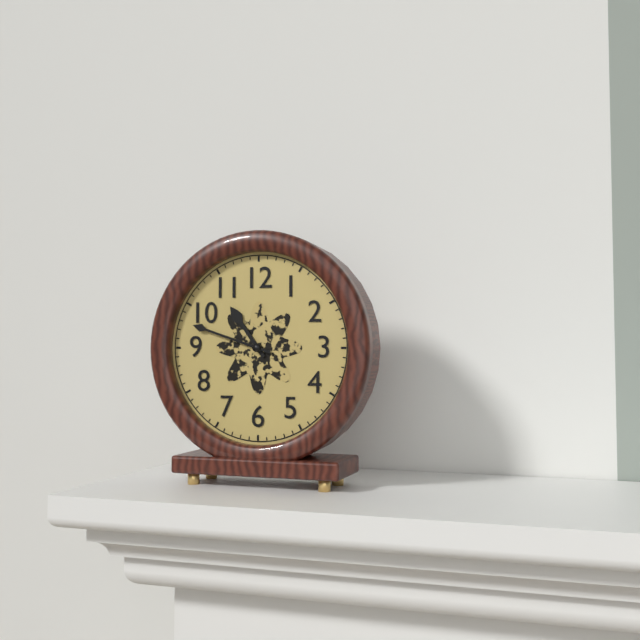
10:48
